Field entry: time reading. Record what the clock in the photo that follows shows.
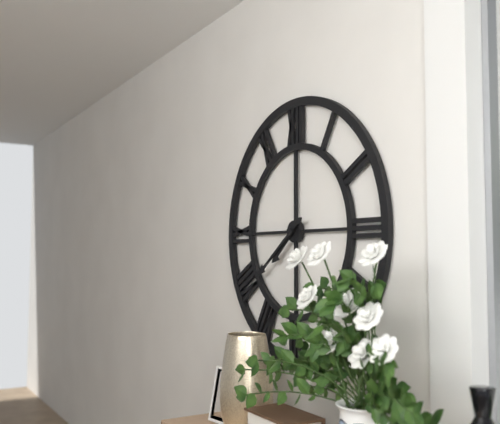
7:39
